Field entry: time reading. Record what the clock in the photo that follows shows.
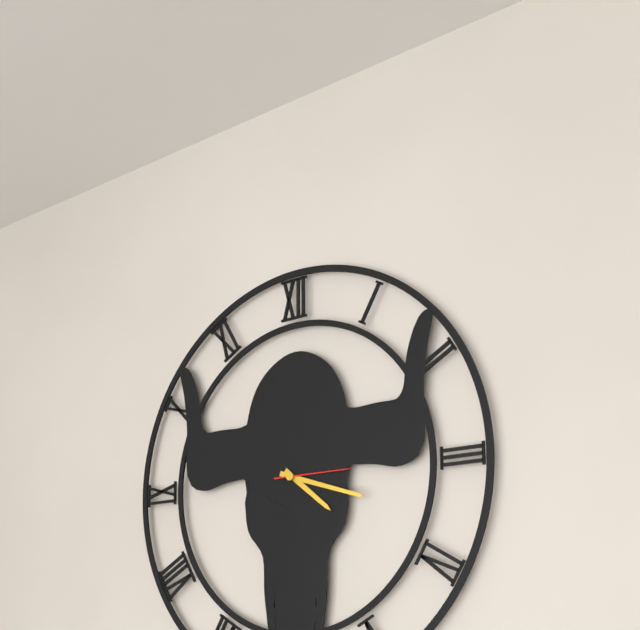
4:18:15
